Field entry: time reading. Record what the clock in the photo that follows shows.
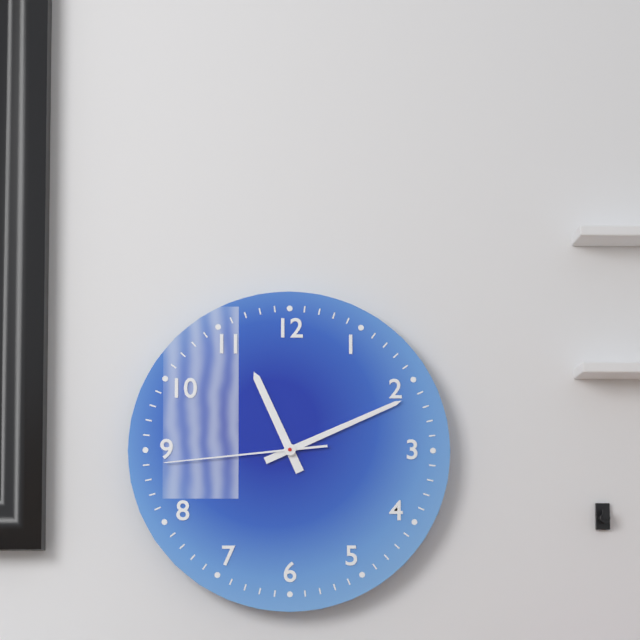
11:11:44
